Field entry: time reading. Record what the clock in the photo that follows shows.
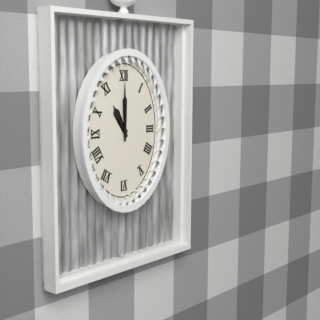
11:00
